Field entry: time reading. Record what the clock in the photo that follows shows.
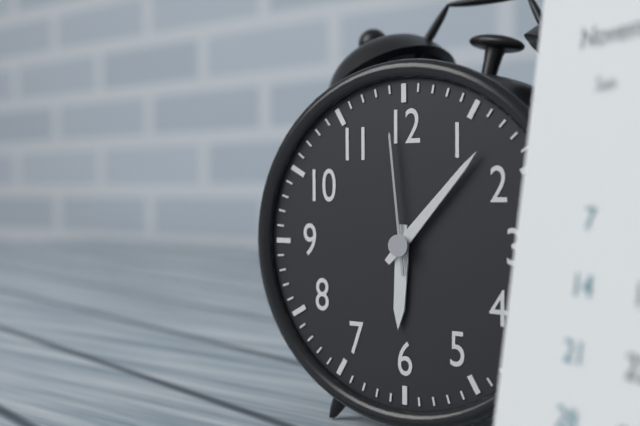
6:07:59
